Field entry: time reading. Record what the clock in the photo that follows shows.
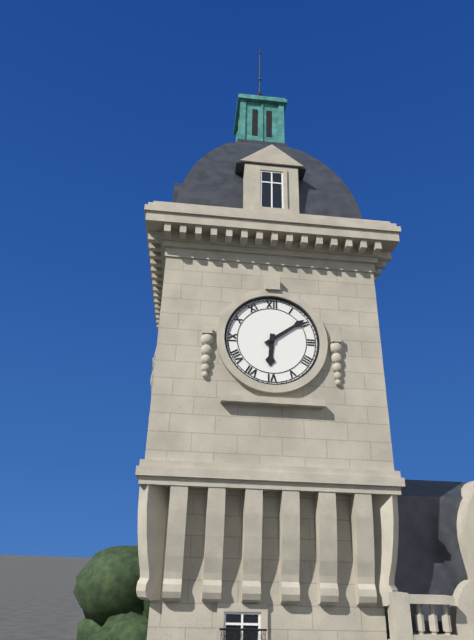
6:09
